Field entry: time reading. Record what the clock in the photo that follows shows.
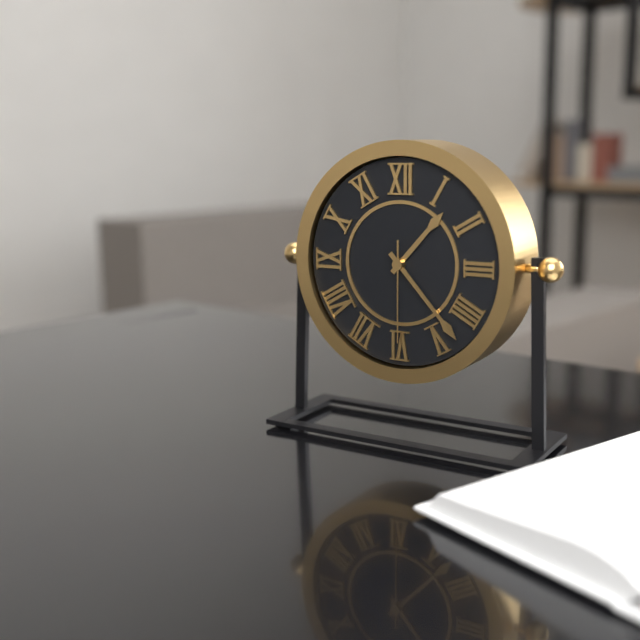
1:23:30
